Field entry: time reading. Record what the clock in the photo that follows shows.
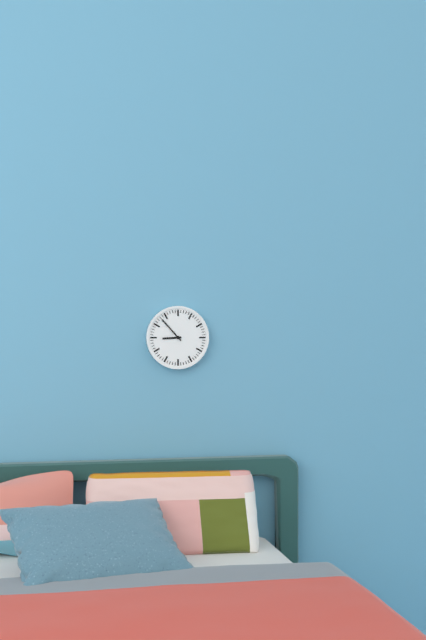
8:53
